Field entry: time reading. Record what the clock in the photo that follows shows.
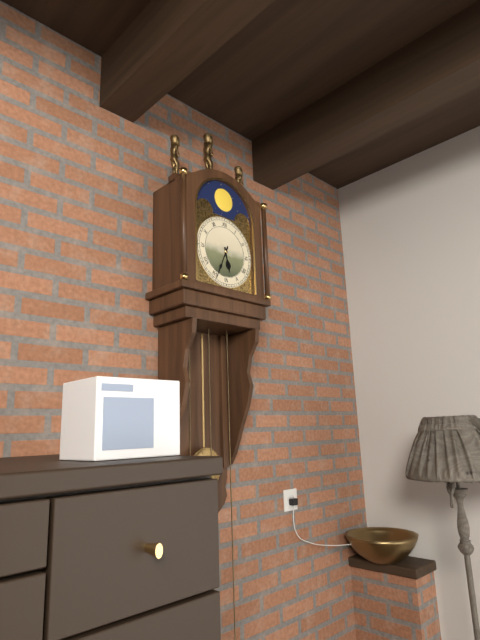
5:34
